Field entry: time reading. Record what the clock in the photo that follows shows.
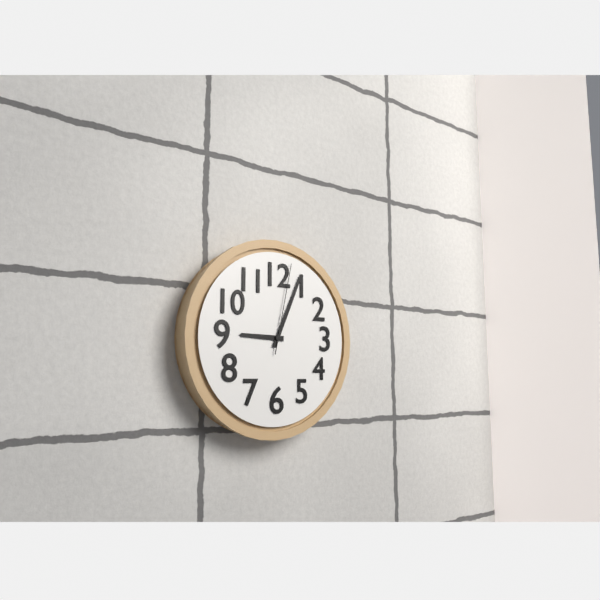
9:04:02
